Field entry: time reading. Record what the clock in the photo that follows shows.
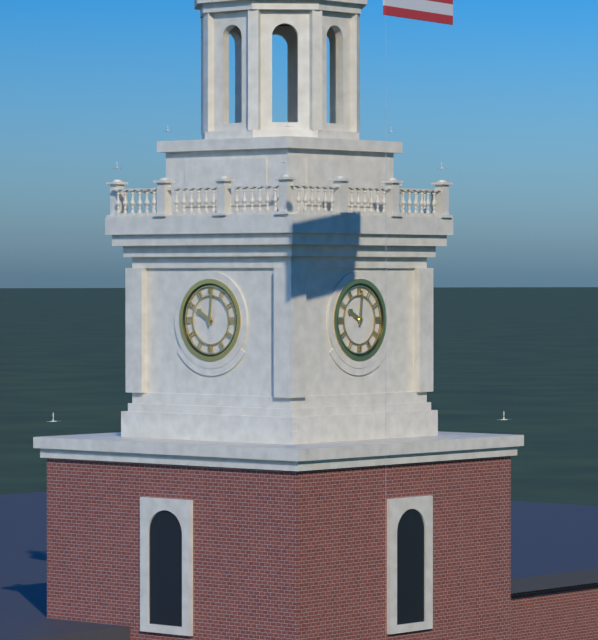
10:01
